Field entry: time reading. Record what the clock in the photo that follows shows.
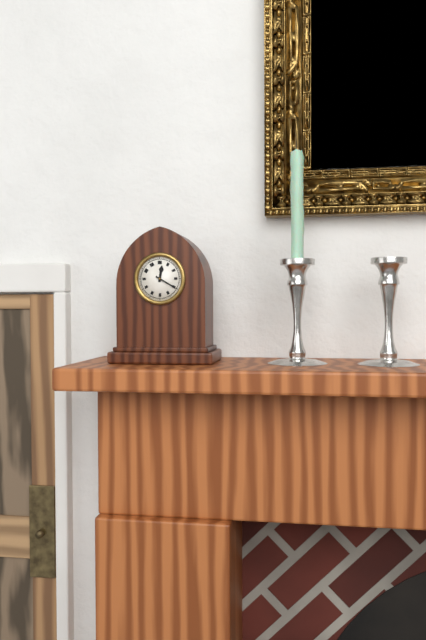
12:20
